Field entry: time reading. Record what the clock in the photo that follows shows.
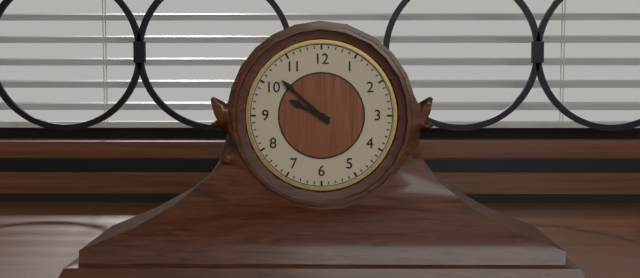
9:52
